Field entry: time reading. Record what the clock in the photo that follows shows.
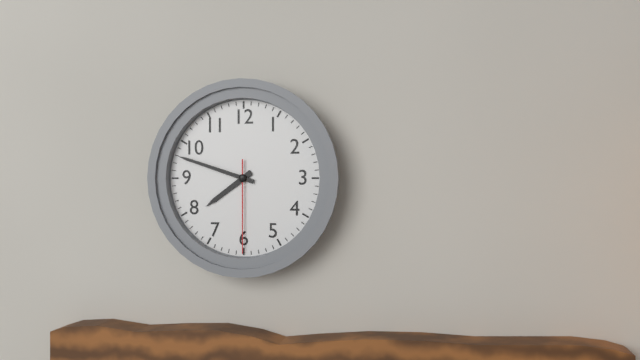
7:48:30
